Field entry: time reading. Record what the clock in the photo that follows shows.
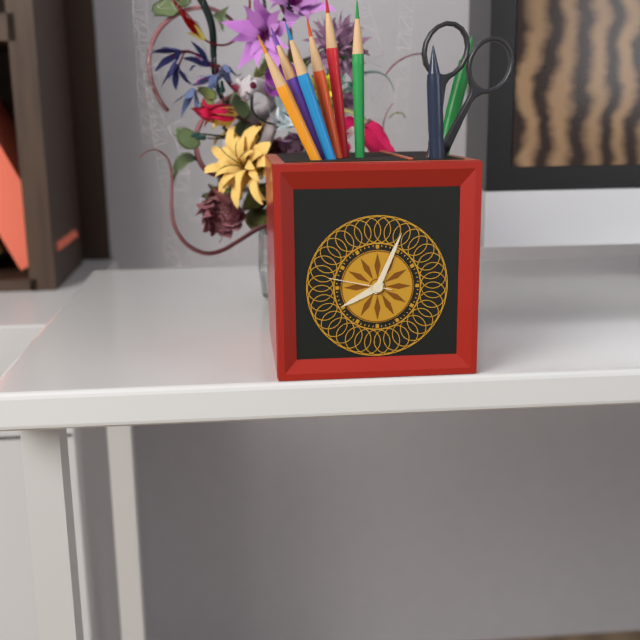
8:04:47
